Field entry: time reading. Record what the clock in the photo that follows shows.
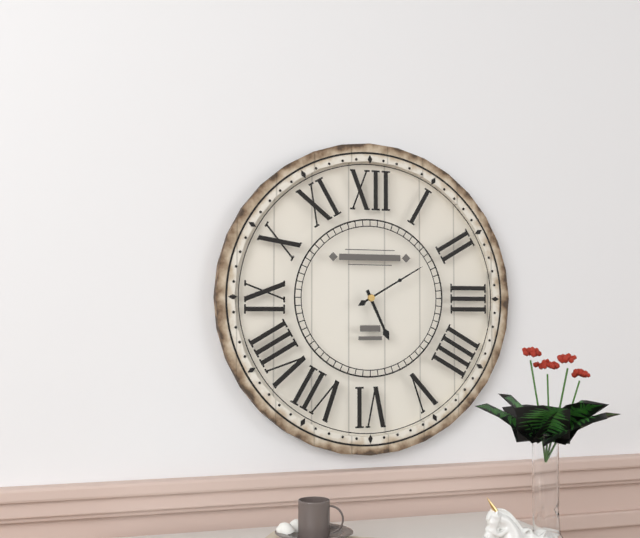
5:10
